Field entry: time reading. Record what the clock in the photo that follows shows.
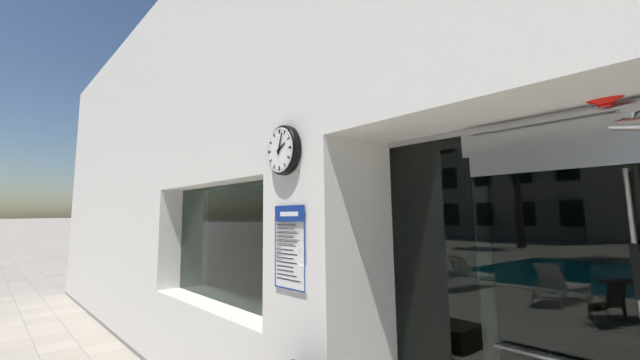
2:03
